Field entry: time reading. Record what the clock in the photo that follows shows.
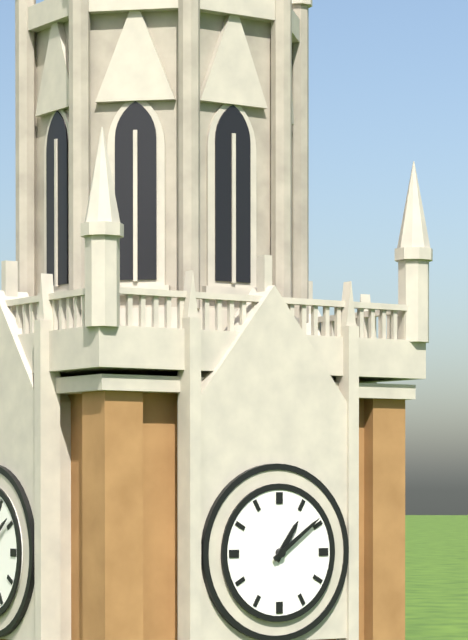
1:09
